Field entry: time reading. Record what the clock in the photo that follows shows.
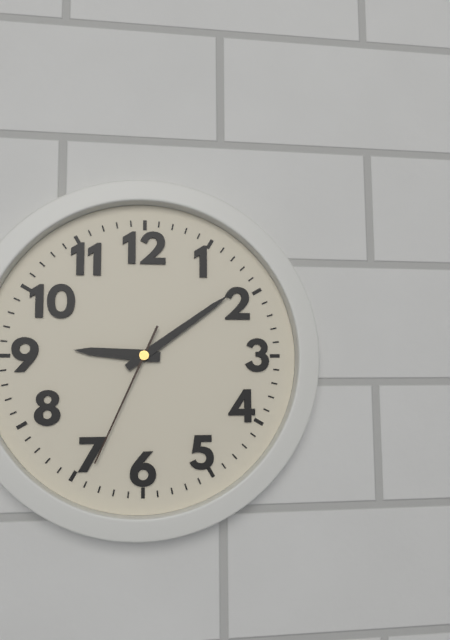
9:09:34
